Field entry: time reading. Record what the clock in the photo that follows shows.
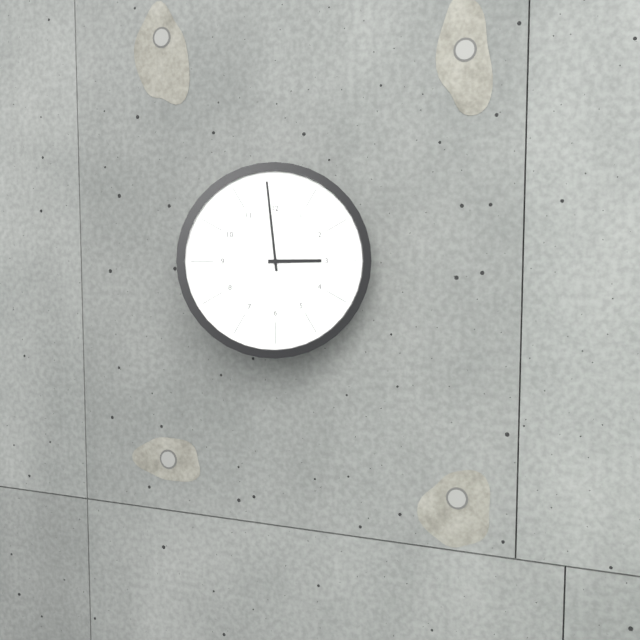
2:59
